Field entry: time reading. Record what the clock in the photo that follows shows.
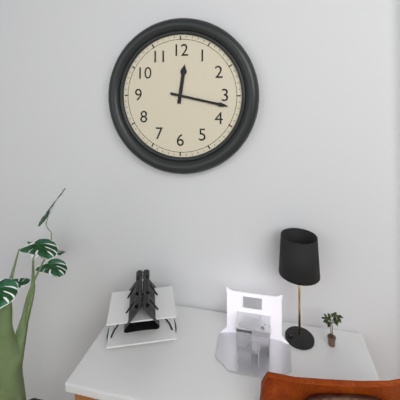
12:17
